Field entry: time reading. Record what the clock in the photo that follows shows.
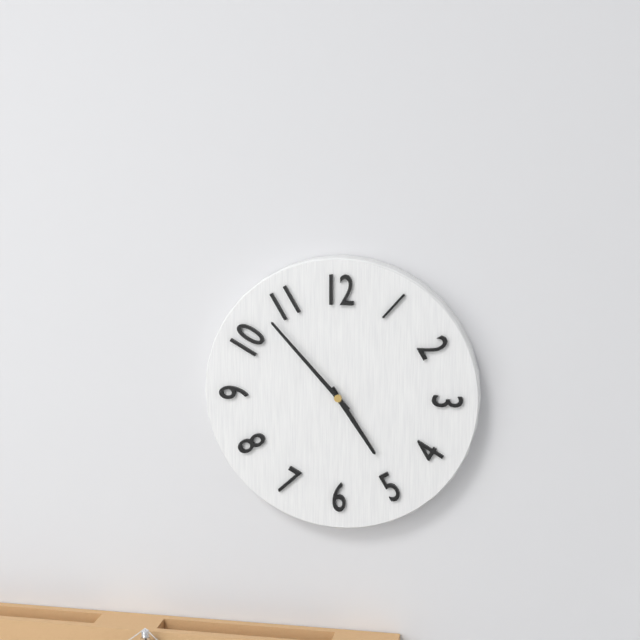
4:53
